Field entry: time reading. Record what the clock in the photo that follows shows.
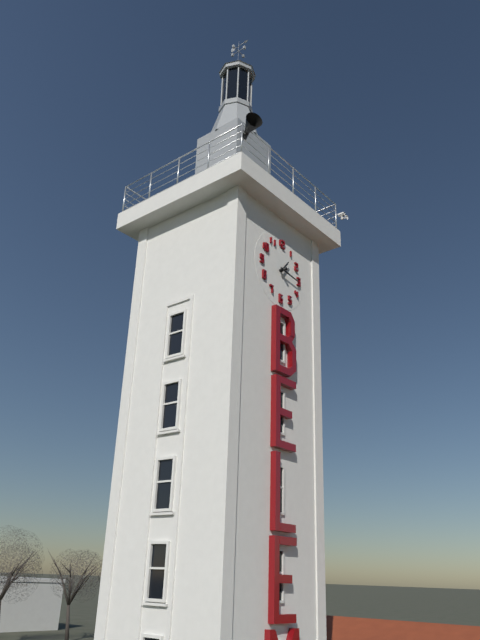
1:16
